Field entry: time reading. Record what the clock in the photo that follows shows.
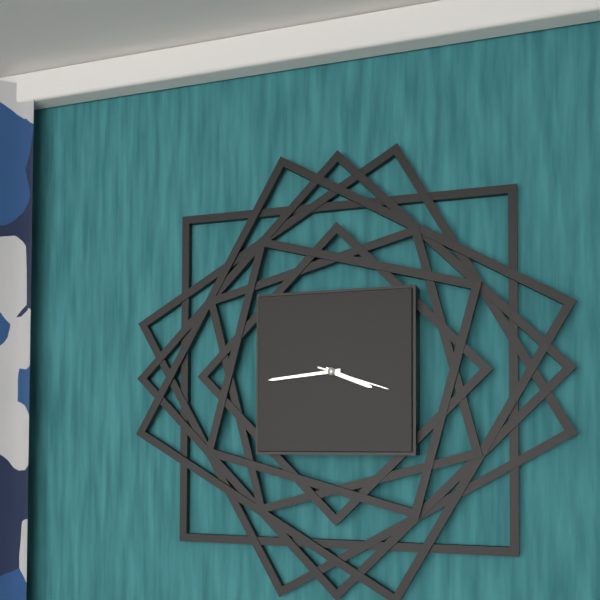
3:44:18
